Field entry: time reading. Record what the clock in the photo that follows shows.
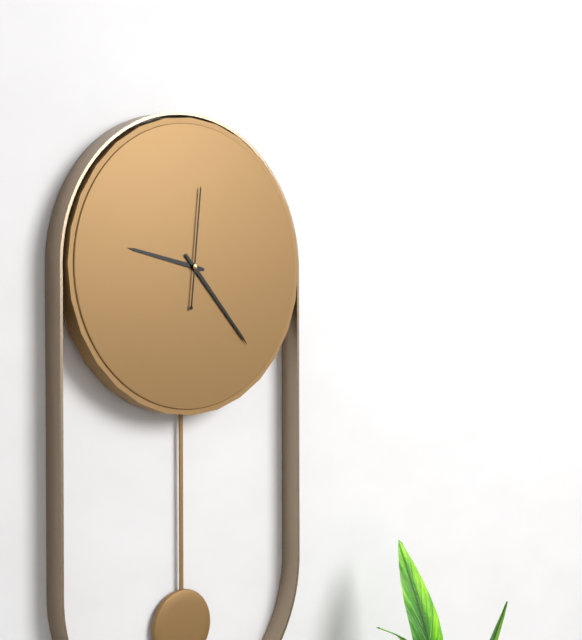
9:23:01
